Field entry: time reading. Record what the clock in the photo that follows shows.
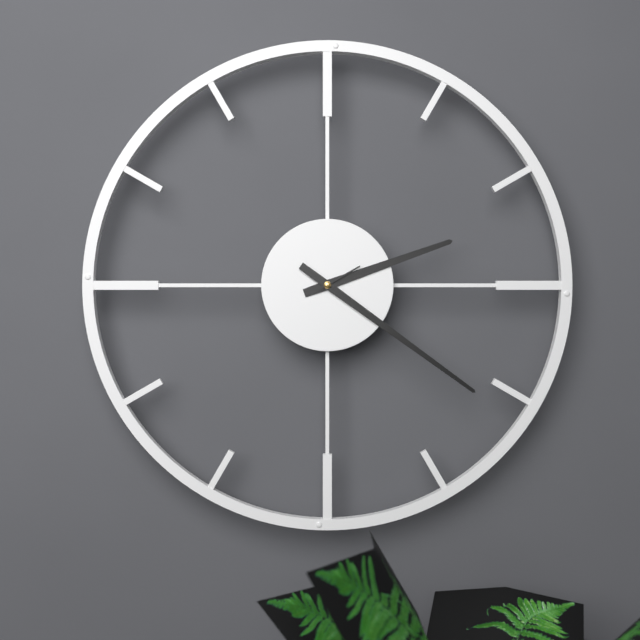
2:21
